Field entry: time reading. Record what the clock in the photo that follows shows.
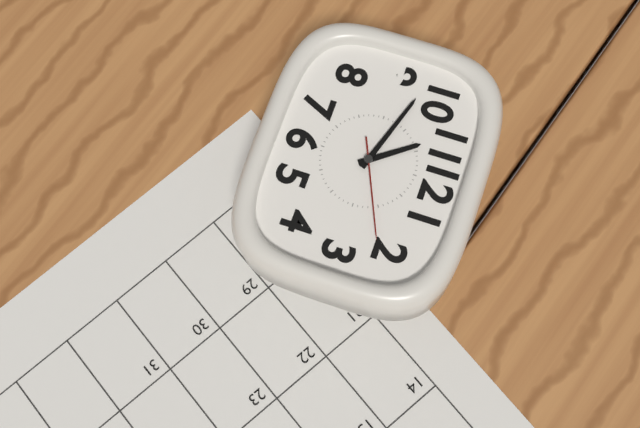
10:48:11
